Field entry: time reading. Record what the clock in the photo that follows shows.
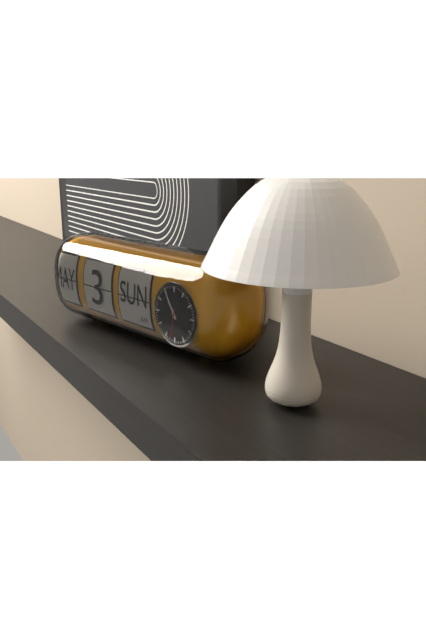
10:55:32
